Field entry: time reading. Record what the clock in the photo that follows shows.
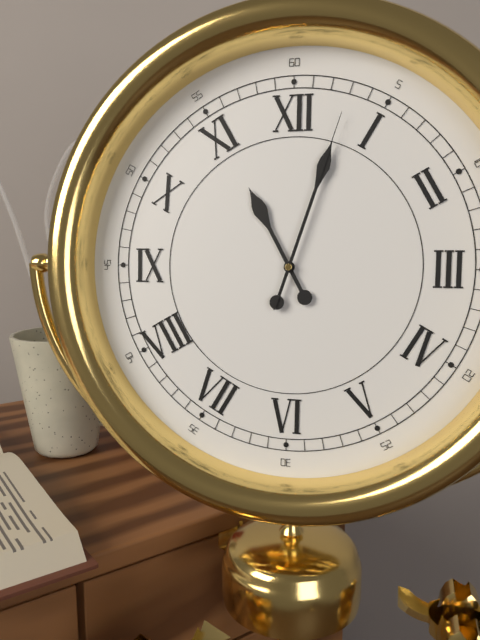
11:03:03
